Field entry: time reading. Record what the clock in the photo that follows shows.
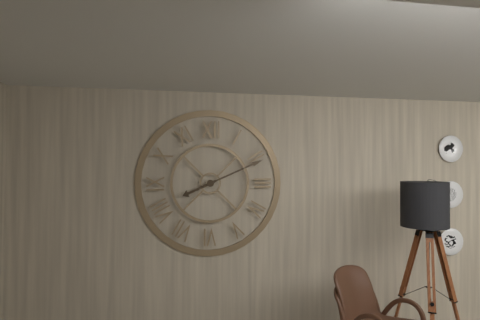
8:11
